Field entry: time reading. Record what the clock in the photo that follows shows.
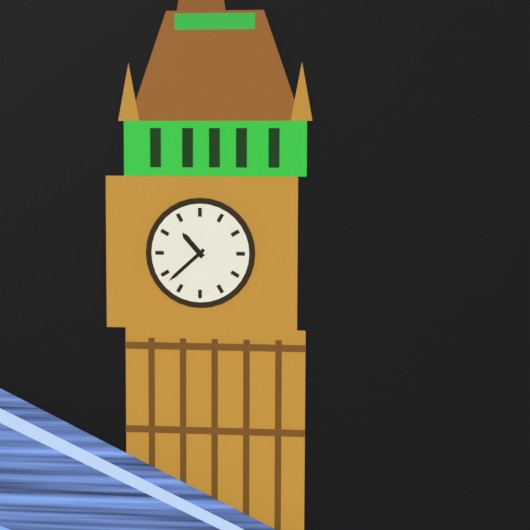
10:38
